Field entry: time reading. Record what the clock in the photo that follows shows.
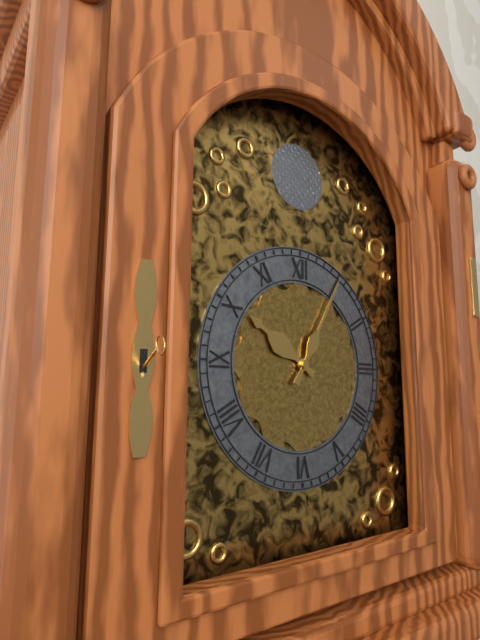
10:05
